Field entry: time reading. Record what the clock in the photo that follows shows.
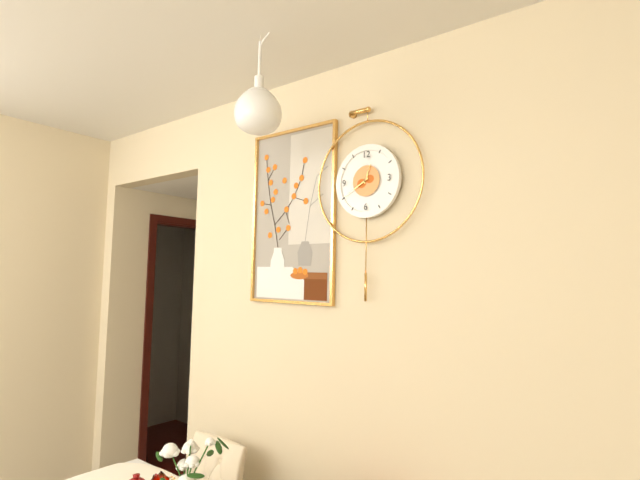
12:40
